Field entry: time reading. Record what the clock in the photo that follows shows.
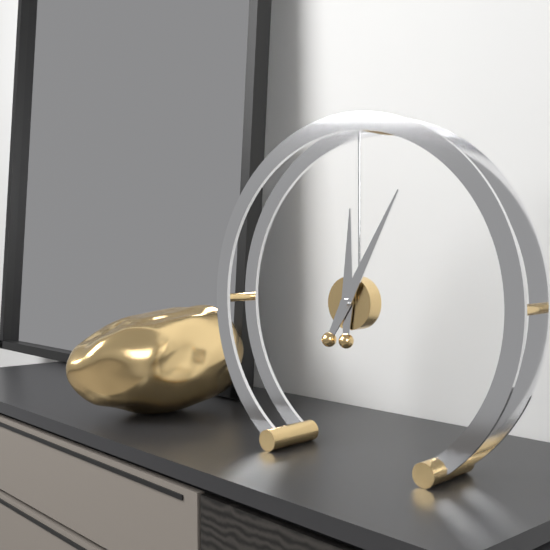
12:05
